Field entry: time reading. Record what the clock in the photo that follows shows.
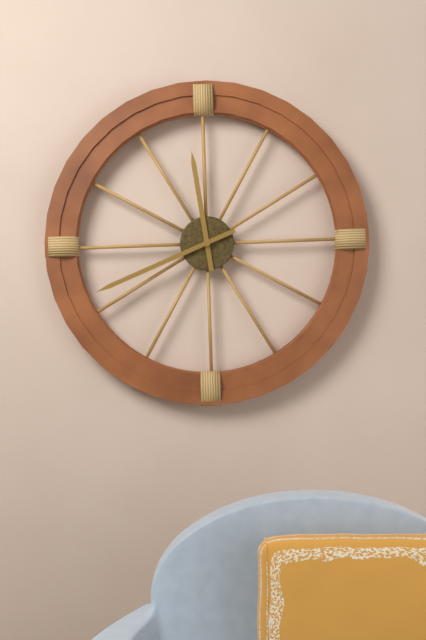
11:41
